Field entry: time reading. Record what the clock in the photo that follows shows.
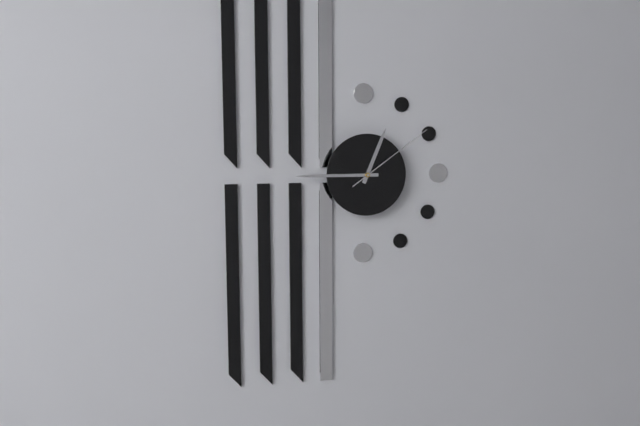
12:45:09
